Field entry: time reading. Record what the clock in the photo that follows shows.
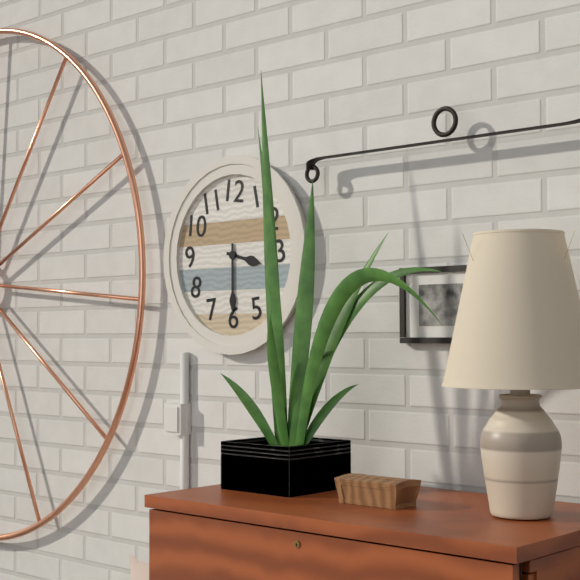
3:30
